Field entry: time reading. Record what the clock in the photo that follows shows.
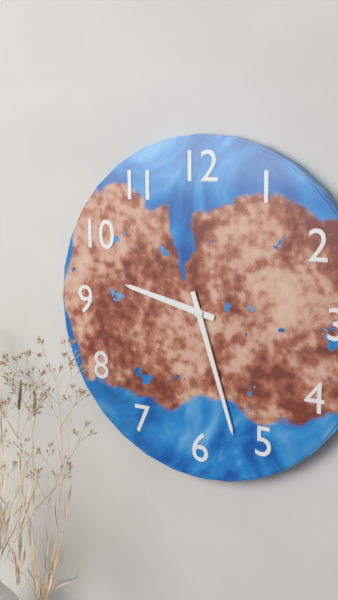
9:27
